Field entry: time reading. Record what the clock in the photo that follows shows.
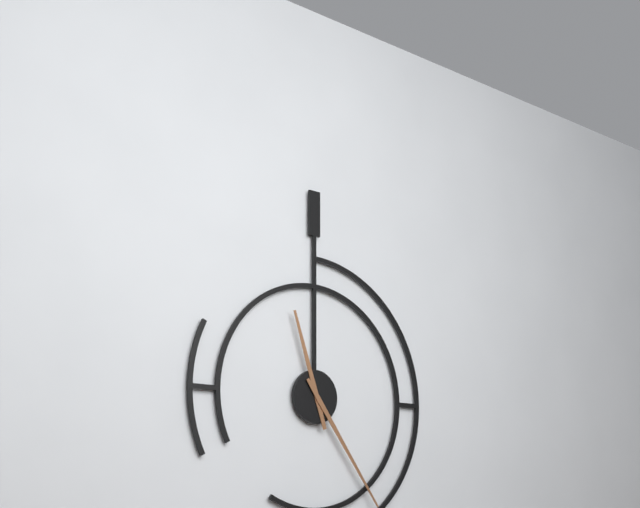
11:24
